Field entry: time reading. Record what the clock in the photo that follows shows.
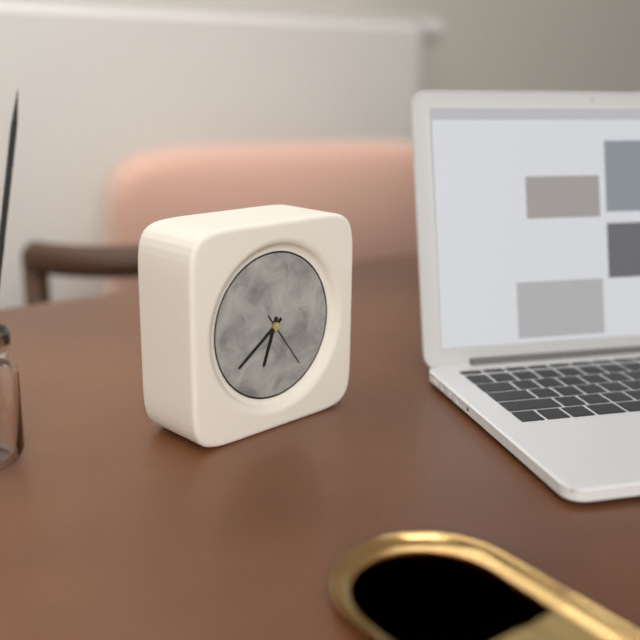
6:39:24
